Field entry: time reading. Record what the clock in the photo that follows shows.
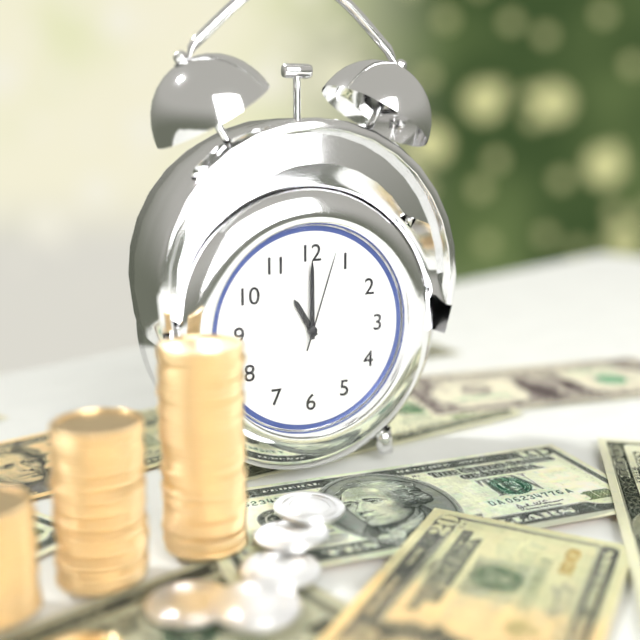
11:00:03
